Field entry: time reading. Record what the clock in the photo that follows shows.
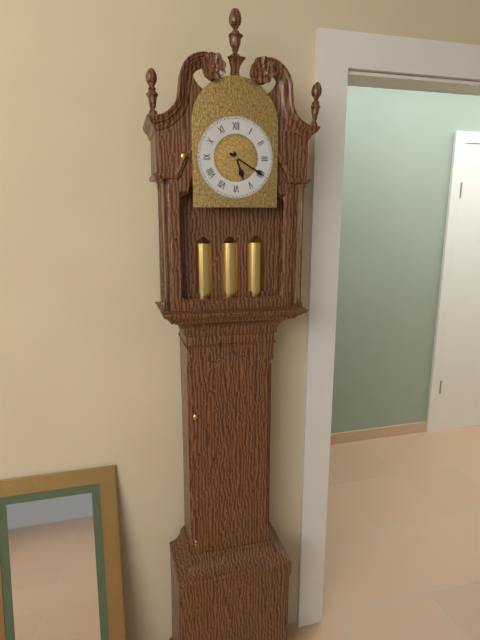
5:20
